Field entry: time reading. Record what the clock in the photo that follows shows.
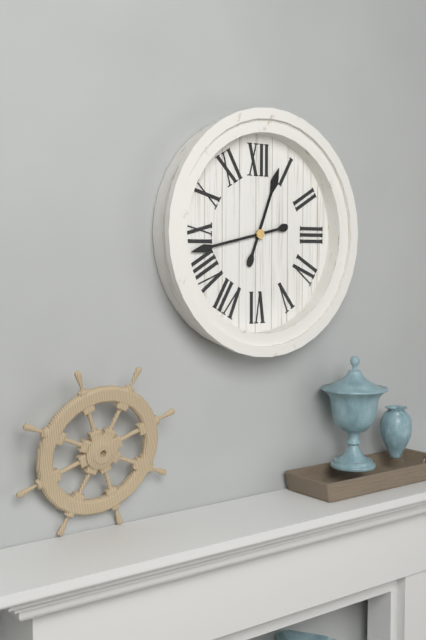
12:43
